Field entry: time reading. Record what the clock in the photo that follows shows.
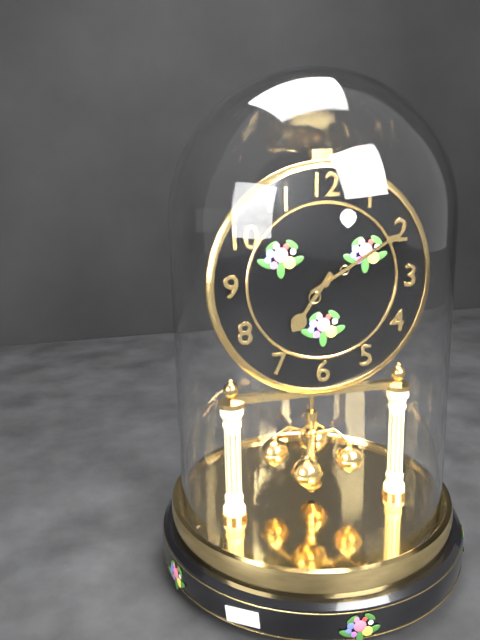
7:10
